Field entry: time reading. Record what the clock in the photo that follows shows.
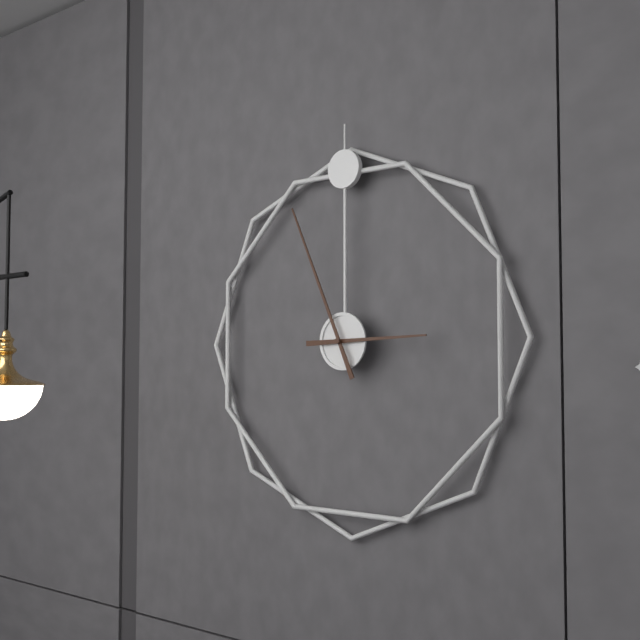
2:56
